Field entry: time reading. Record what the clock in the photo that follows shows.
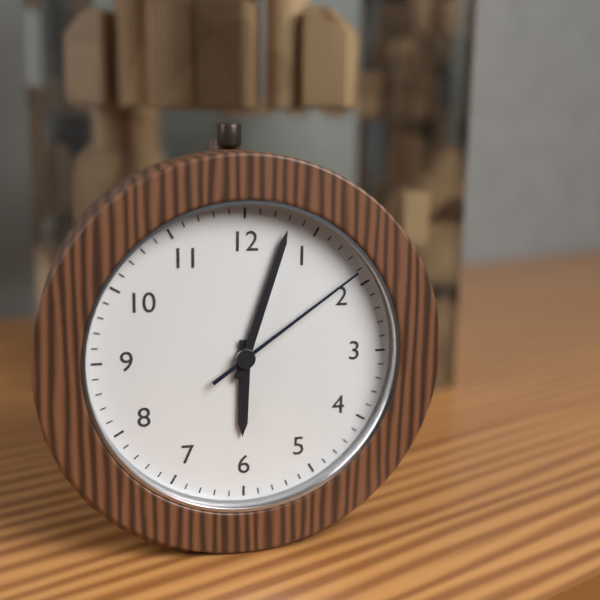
6:03:09
